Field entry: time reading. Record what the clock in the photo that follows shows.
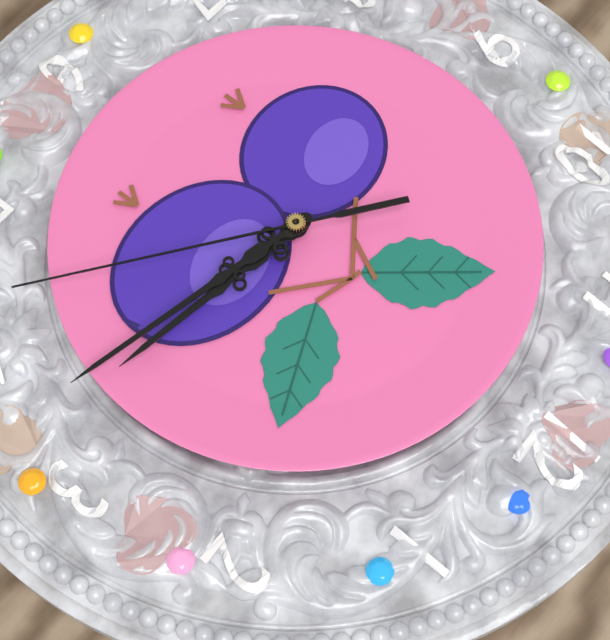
3:17:21
